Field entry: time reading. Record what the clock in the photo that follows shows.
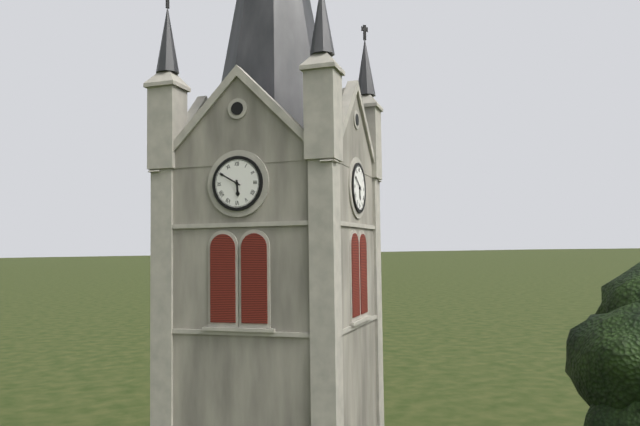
5:50
